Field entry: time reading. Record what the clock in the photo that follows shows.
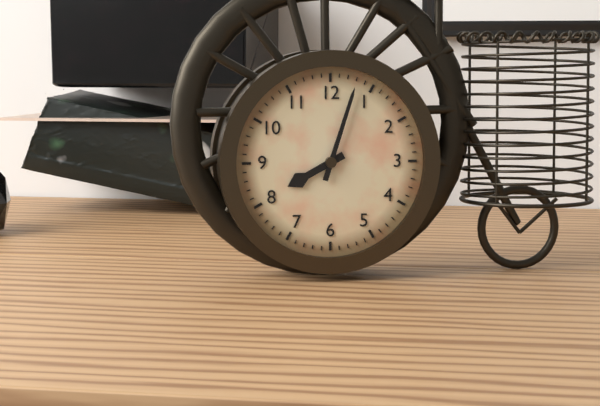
8:03
